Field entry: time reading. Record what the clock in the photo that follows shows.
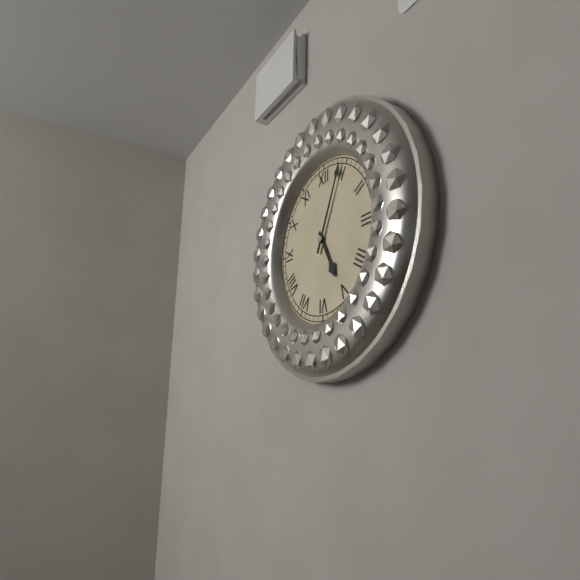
5:04
